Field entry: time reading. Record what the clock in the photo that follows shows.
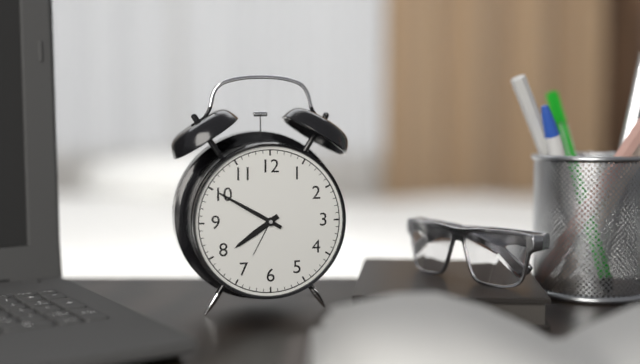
7:50
